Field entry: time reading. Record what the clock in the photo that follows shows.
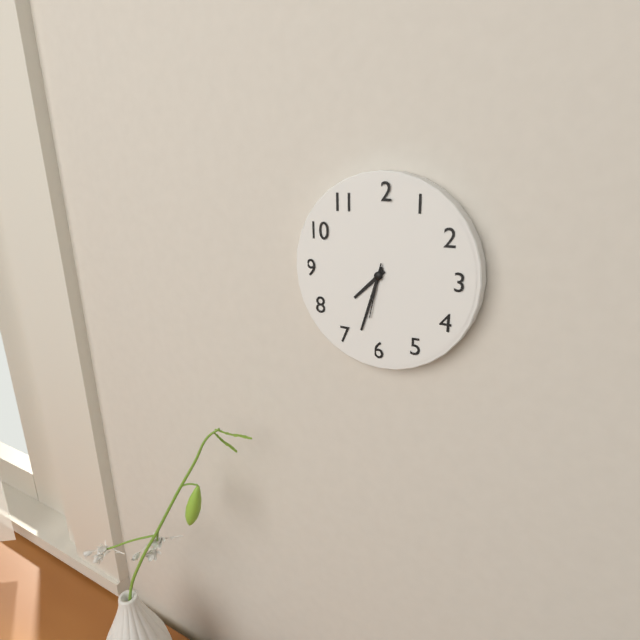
7:33:32
